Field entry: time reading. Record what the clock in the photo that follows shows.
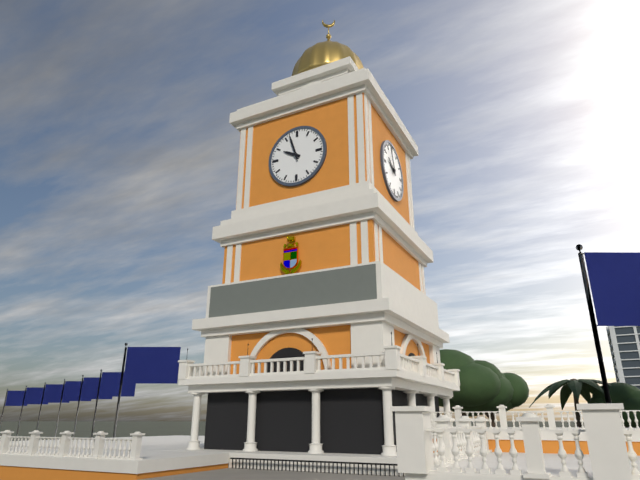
9:57
